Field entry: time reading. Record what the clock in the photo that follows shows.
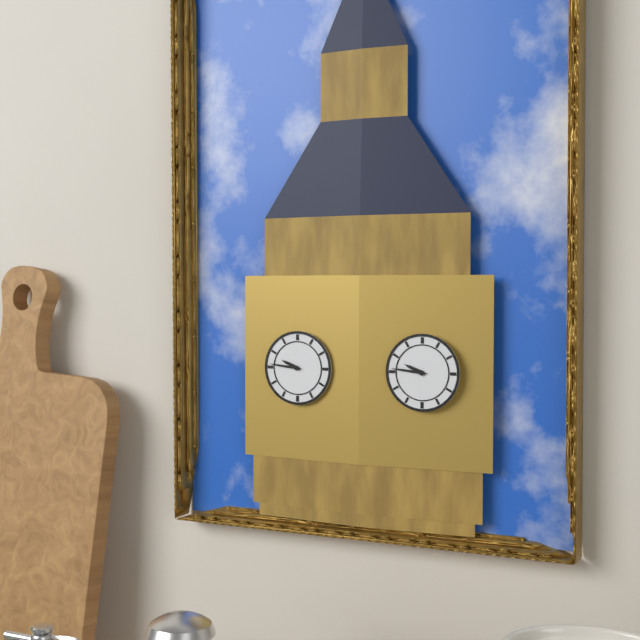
9:46
